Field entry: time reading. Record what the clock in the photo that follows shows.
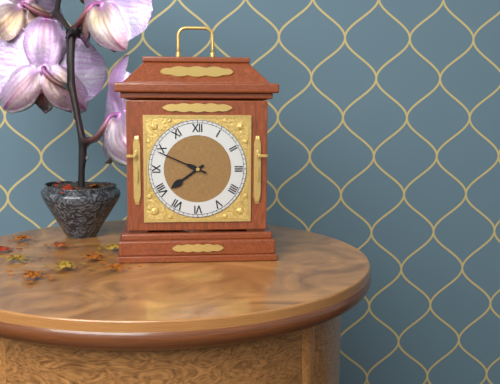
7:49
